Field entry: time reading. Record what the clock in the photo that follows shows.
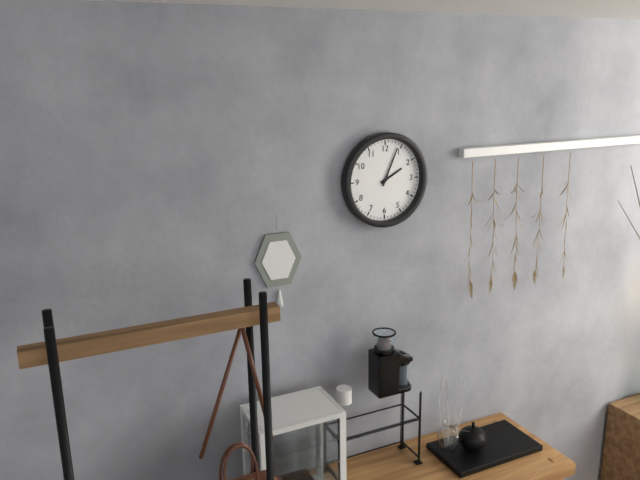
2:04
